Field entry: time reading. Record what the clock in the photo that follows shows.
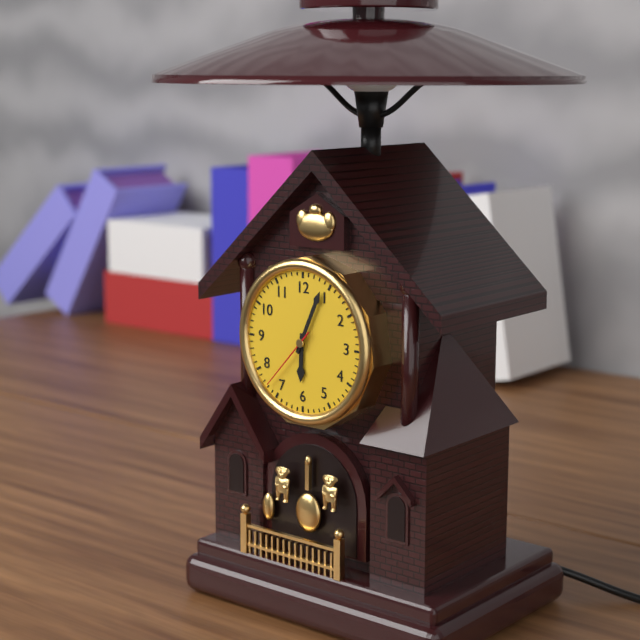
6:04:37
